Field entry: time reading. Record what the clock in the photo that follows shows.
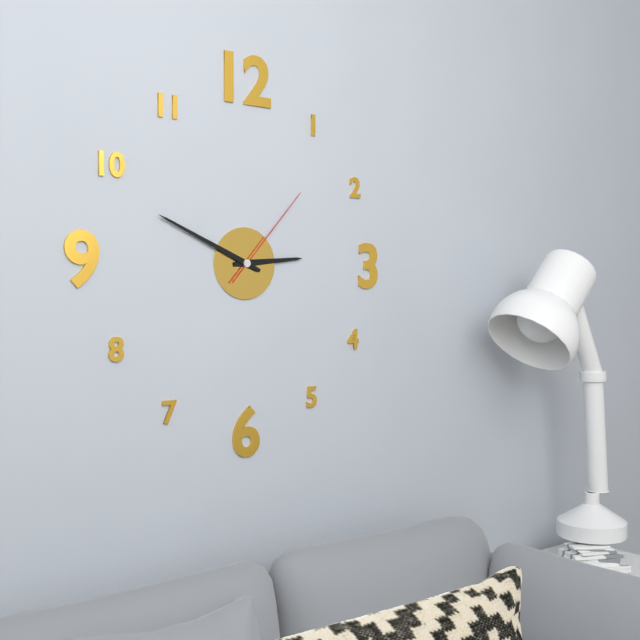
2:49:07
